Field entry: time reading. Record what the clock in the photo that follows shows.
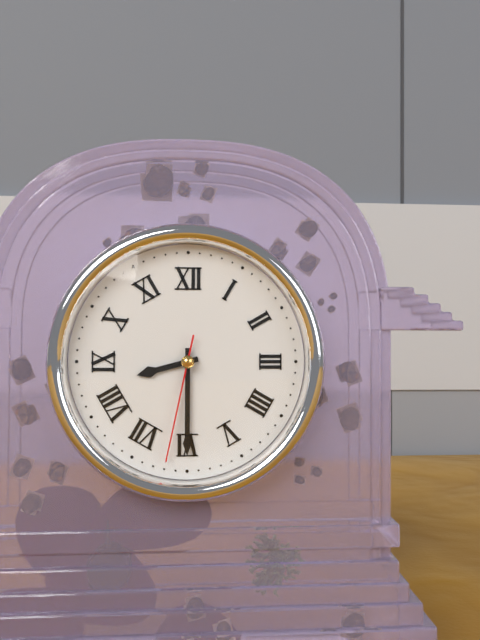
8:30:32
